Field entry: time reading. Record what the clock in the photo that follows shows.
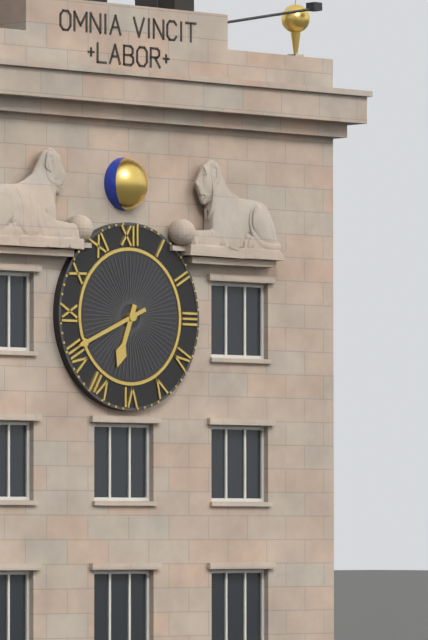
6:41
